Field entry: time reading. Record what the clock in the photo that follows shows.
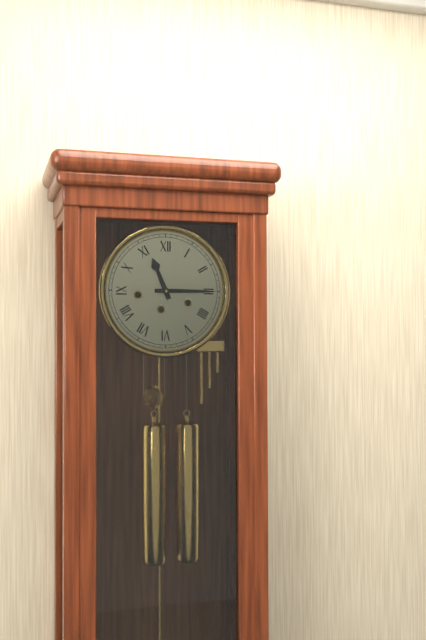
11:15
